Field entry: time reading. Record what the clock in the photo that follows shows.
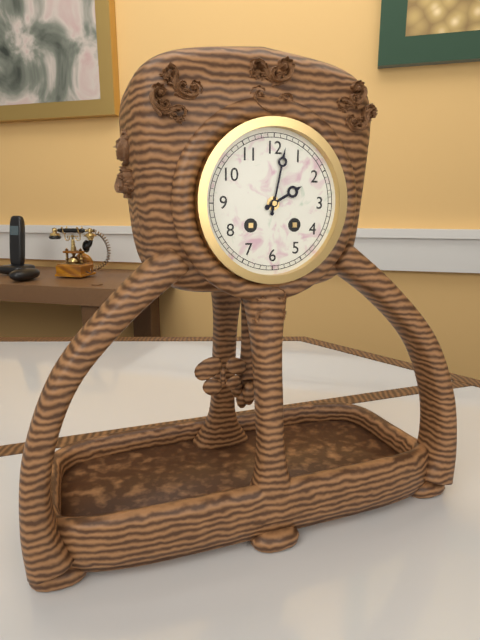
2:02
